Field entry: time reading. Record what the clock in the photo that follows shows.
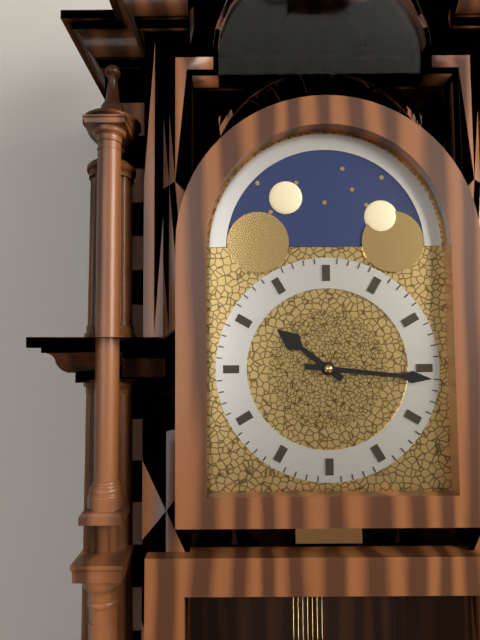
10:16
